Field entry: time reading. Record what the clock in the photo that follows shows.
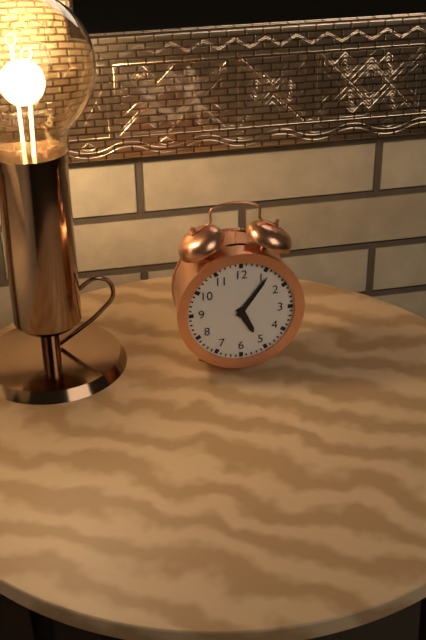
5:06
